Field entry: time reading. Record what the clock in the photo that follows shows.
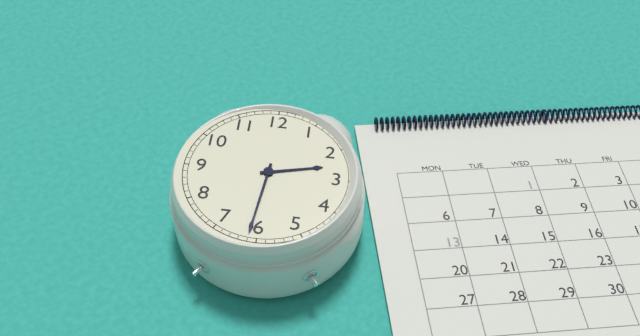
2:31
